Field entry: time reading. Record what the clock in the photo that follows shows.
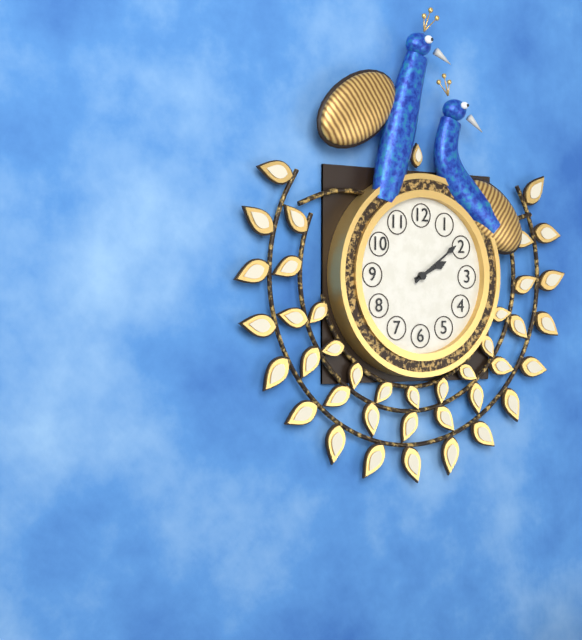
2:09
